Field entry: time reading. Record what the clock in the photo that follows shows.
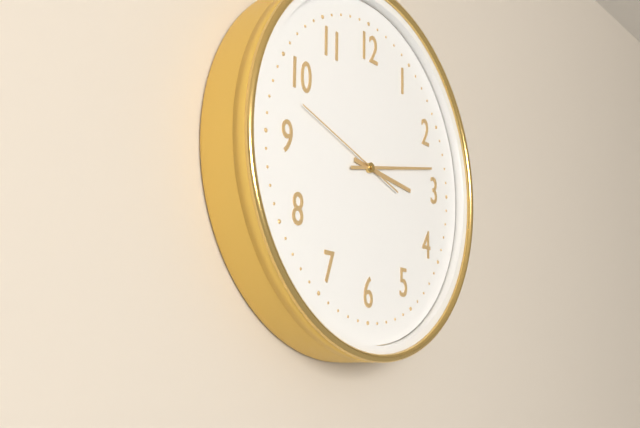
3:13:48
